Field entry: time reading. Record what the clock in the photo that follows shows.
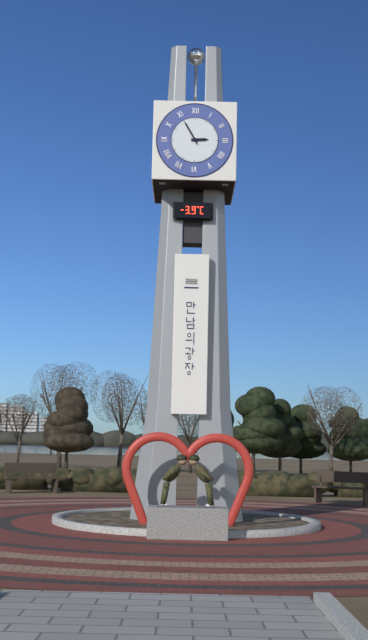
2:55
